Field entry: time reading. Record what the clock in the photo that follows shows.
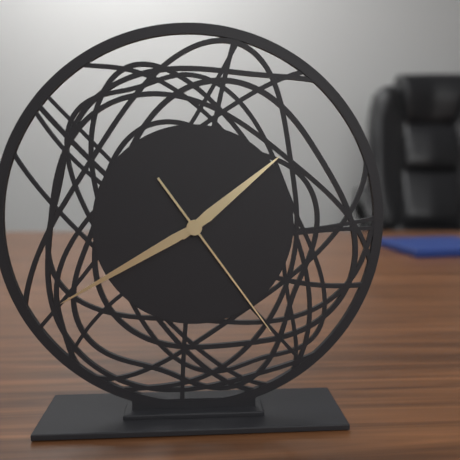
1:40:24
